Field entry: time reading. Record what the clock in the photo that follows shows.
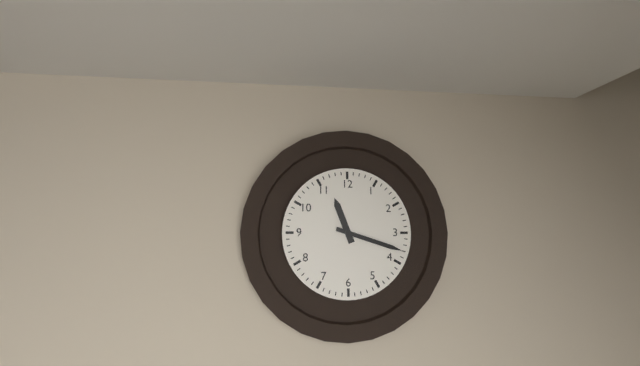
11:18
